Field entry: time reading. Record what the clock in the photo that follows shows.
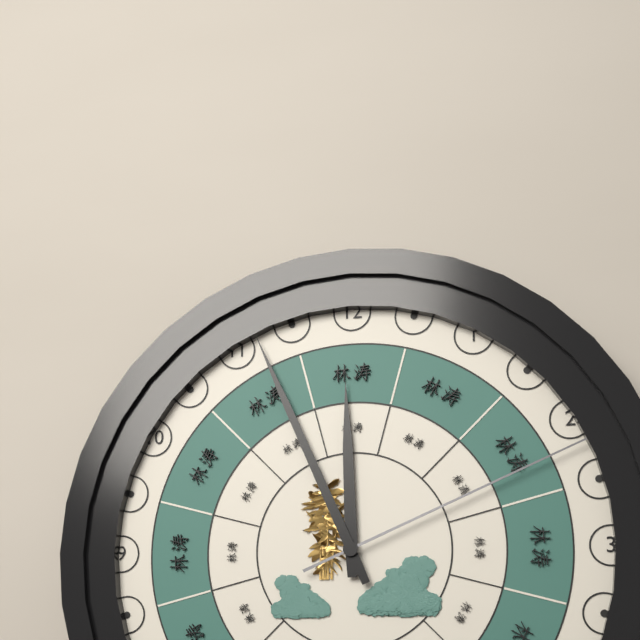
11:56:11
